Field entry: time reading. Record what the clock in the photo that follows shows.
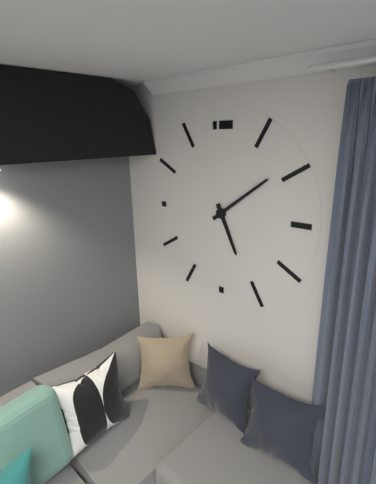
5:09
